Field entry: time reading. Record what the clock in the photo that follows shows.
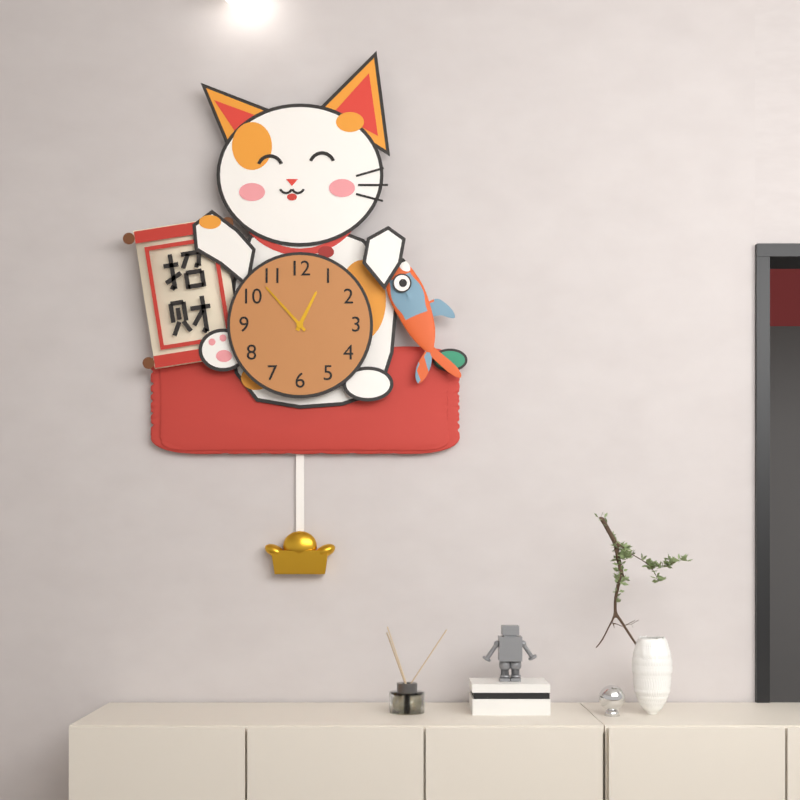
12:53
